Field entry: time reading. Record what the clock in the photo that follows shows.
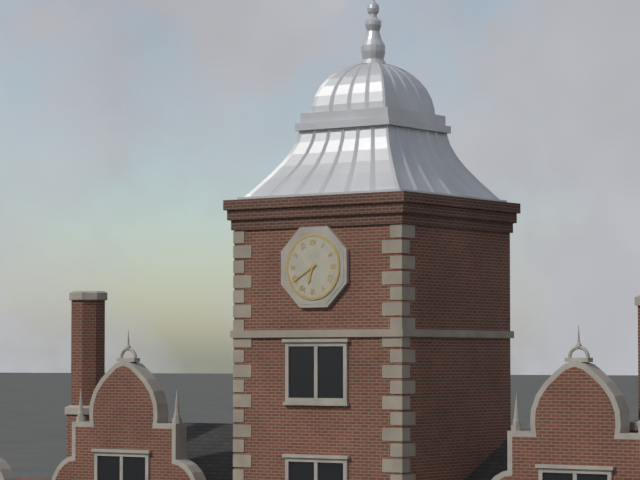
6:40
